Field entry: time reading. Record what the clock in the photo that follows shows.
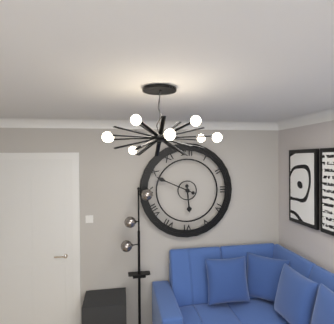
5:49
